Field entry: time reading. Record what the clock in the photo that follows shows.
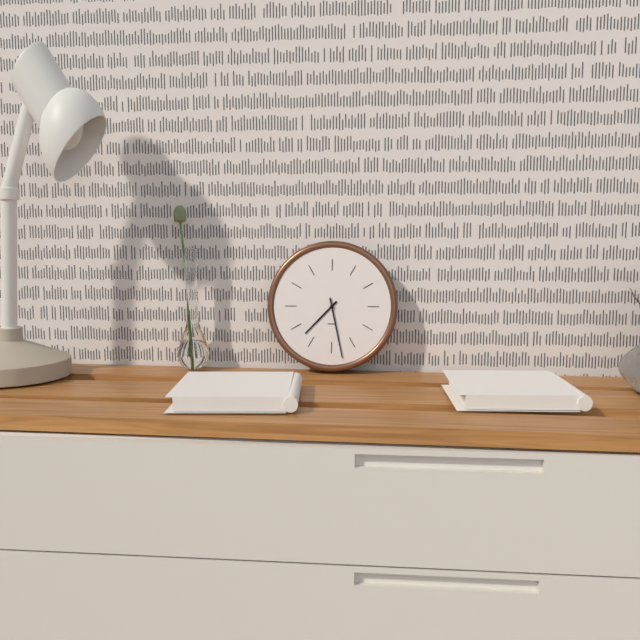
7:28
